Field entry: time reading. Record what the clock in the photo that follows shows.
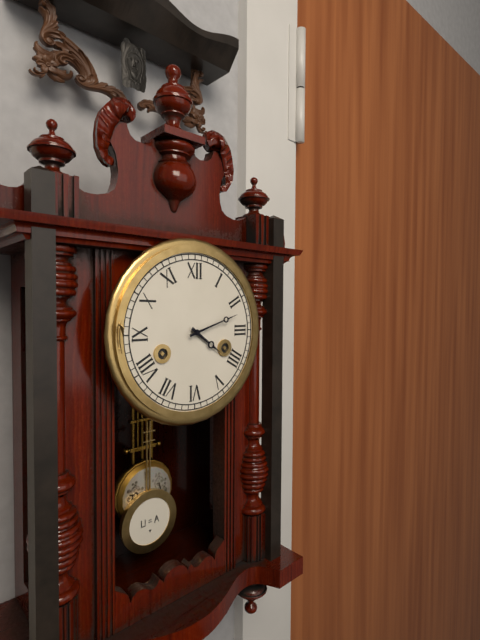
4:12
